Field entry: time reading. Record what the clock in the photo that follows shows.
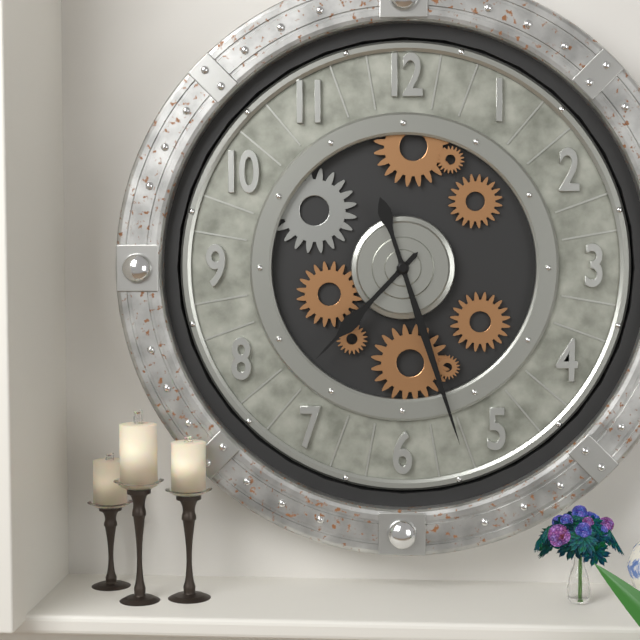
7:27
